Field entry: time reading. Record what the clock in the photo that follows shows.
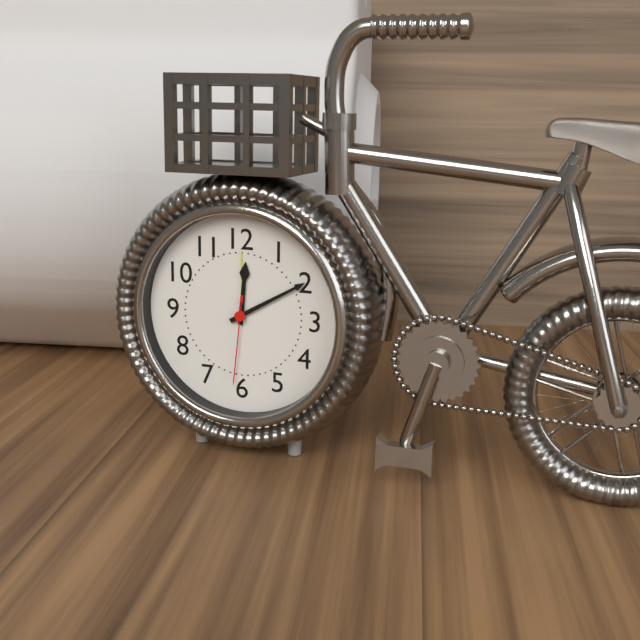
12:10:31
